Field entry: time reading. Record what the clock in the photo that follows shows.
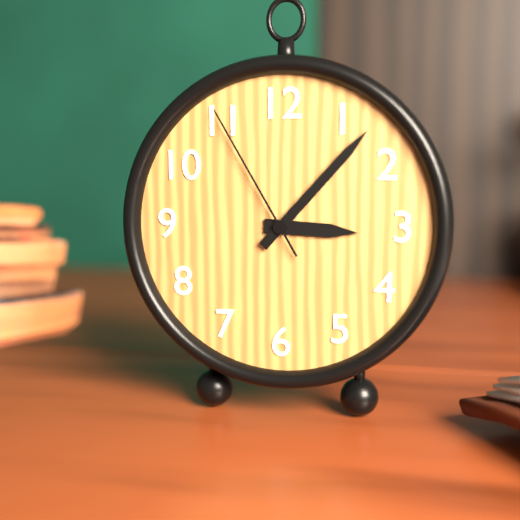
3:07:55
